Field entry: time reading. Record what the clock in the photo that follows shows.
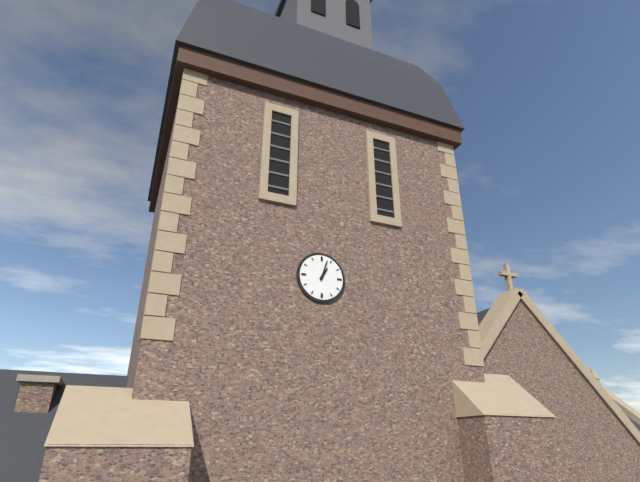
1:03
